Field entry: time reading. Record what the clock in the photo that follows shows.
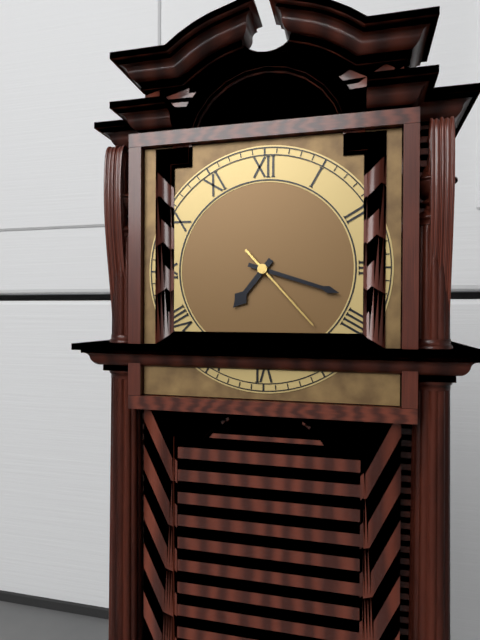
7:18:23
